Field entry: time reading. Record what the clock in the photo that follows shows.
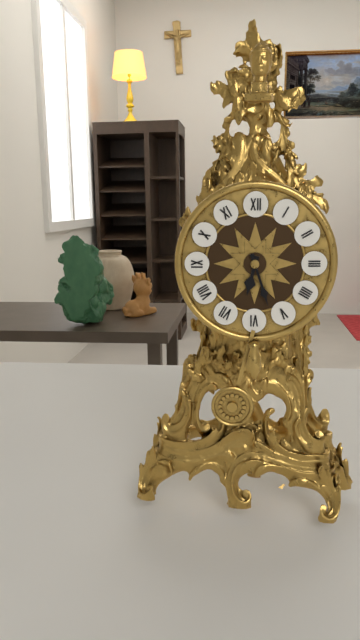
6:27
